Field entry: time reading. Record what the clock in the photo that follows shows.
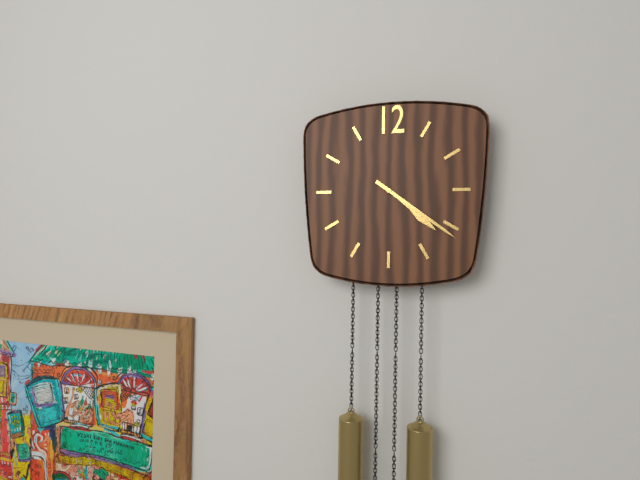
4:21
